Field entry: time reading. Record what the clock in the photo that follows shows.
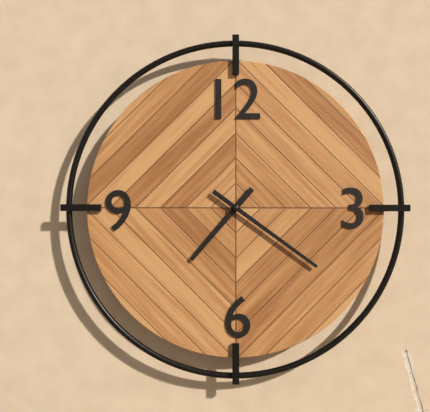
7:21
